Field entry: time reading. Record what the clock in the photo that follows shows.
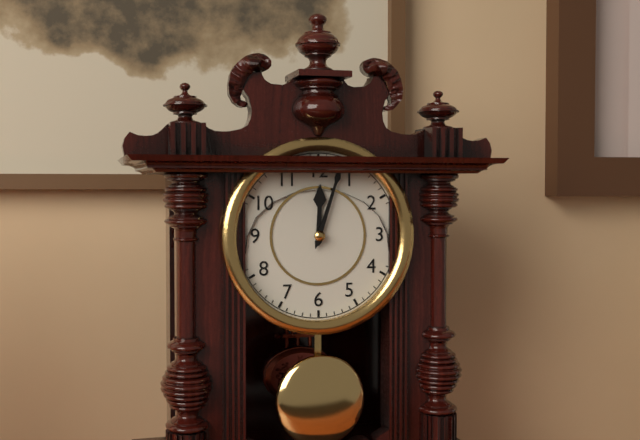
12:03
